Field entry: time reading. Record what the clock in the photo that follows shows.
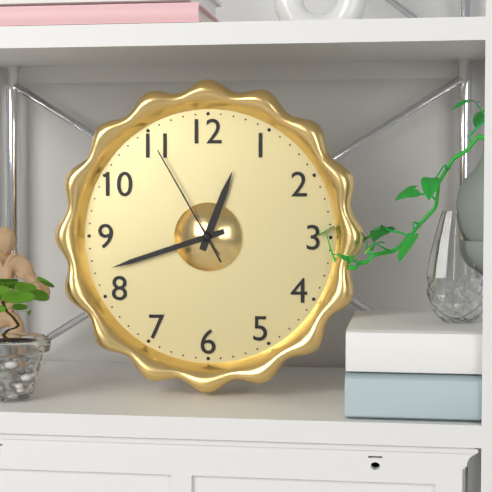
12:42:55
